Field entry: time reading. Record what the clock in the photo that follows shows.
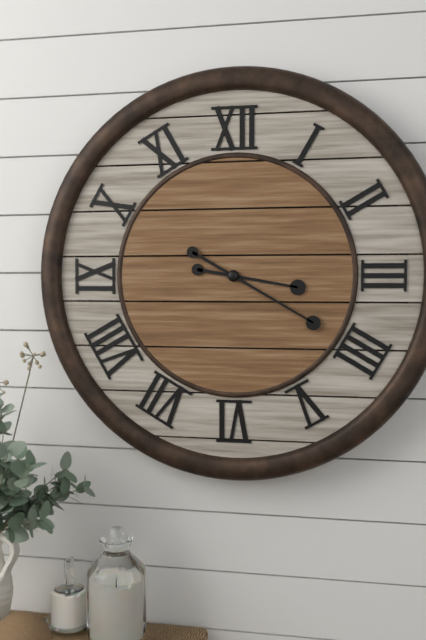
3:20
